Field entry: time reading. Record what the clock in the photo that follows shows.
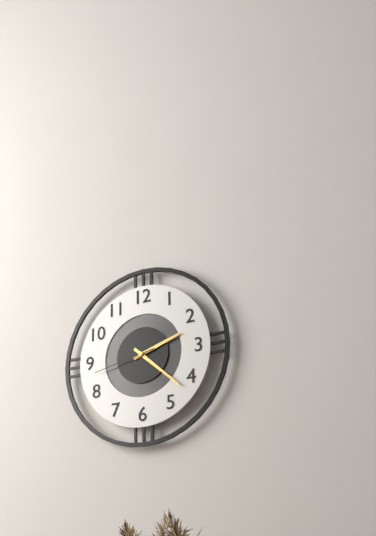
2:22:43
